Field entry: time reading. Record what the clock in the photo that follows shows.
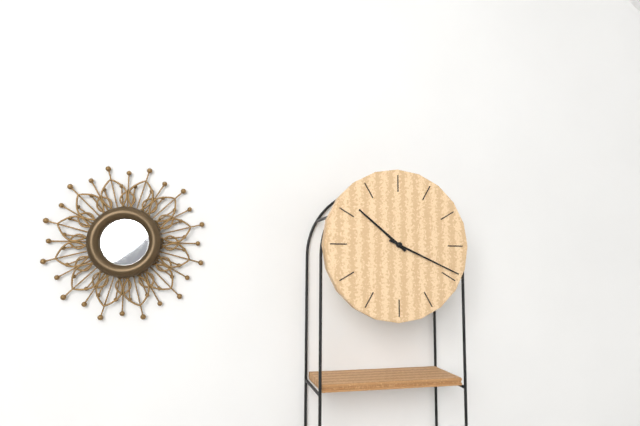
10:19
